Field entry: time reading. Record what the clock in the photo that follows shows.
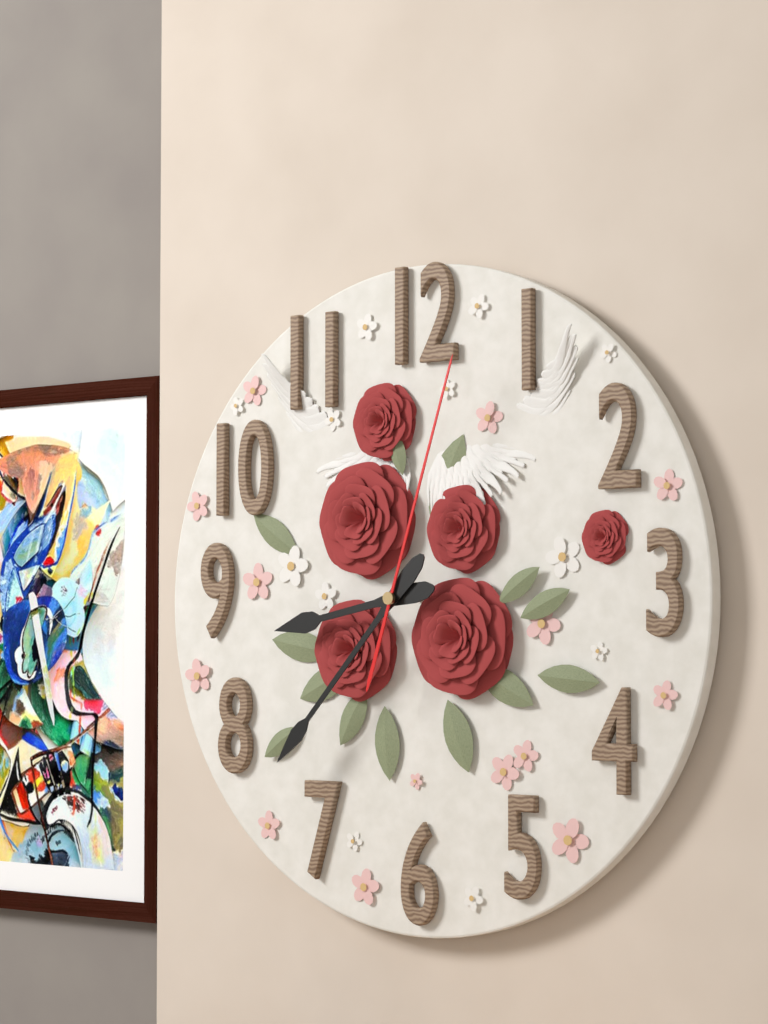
8:37:03
